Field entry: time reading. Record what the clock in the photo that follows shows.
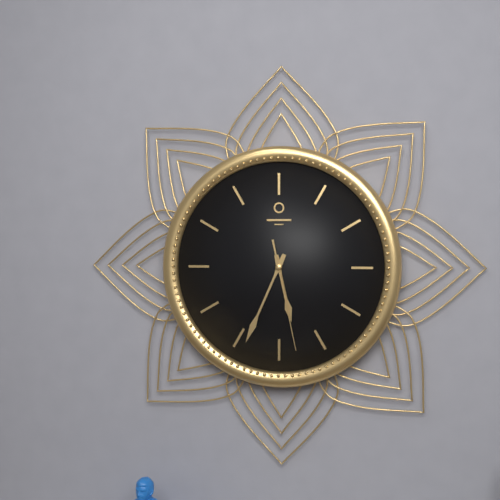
5:34:28
